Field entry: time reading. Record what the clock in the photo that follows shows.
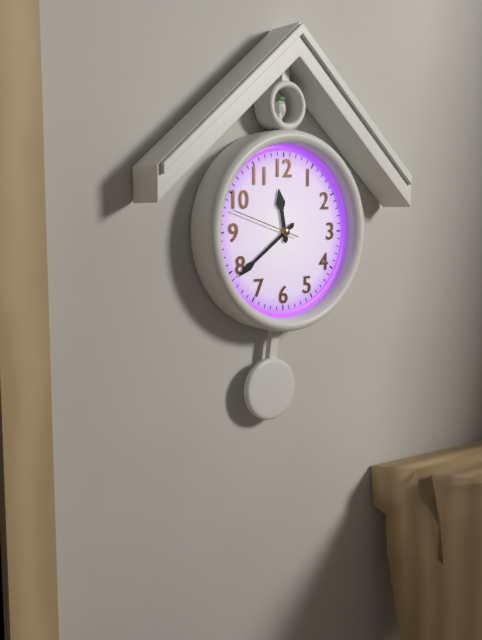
11:39:48
